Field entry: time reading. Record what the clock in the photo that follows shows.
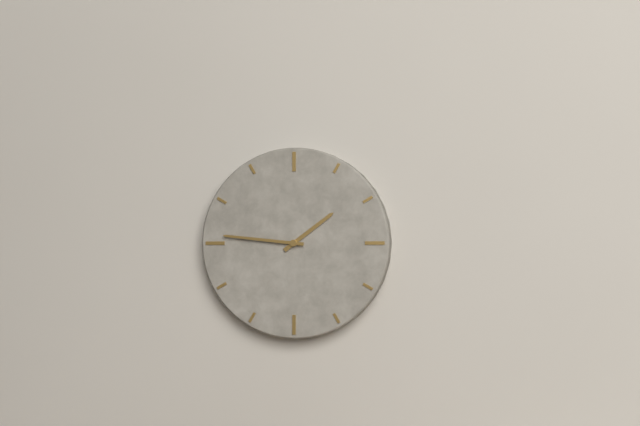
1:46
